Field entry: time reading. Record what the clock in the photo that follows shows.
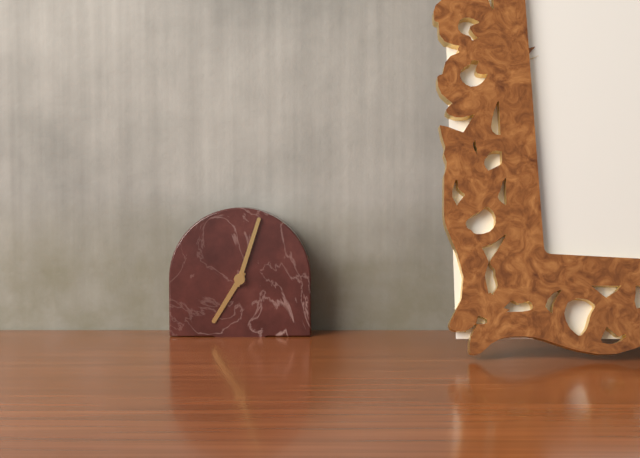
7:03
